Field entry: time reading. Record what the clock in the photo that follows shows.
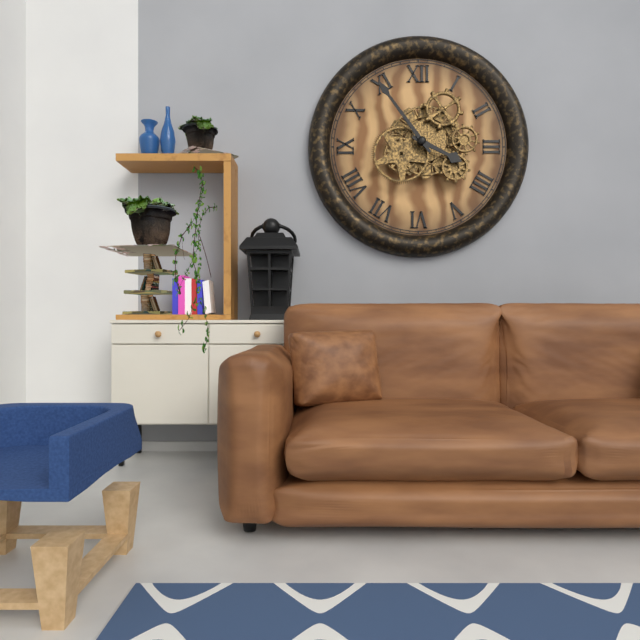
3:54
